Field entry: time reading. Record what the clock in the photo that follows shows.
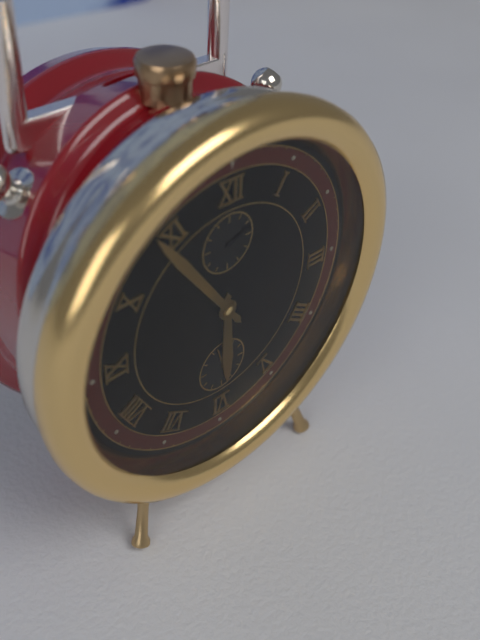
5:54:57
